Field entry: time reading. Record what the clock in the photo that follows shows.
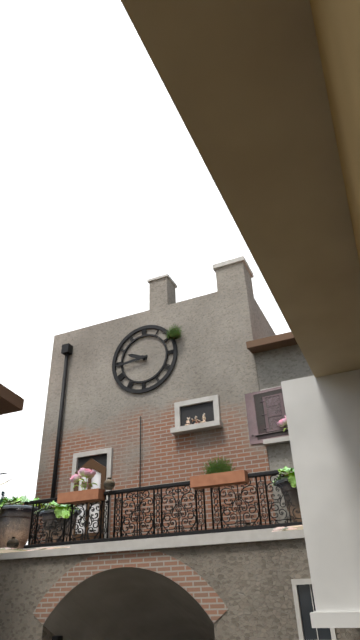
9:44
